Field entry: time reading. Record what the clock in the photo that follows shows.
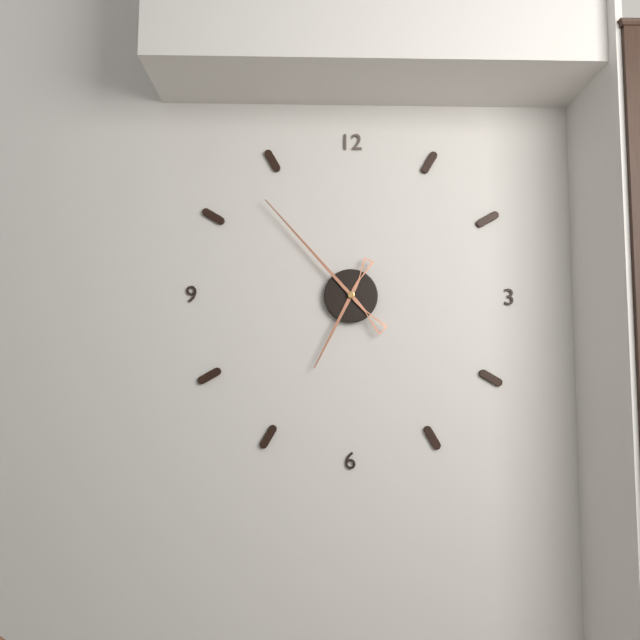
6:53
